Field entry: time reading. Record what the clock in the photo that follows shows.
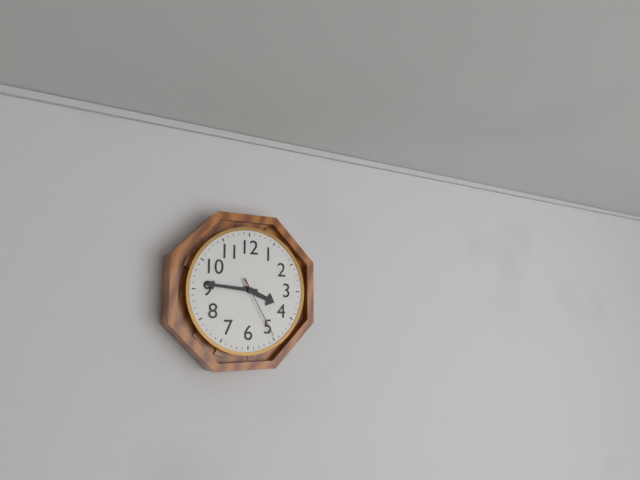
3:46:25
